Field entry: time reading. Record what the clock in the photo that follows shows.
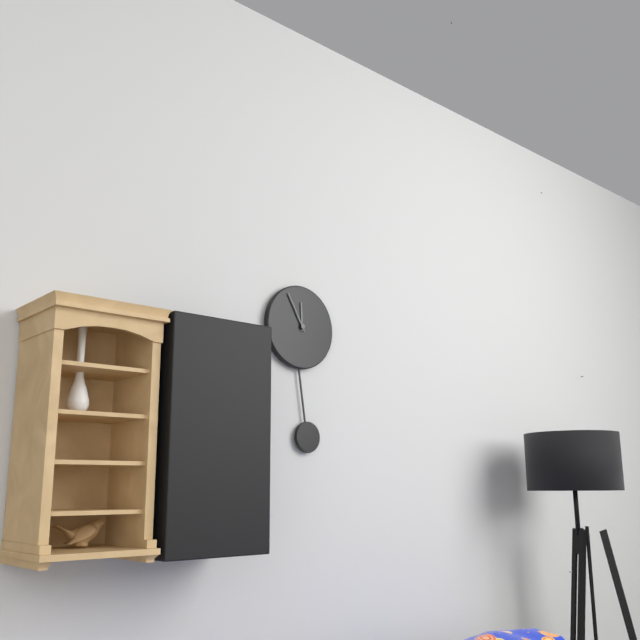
11:55
